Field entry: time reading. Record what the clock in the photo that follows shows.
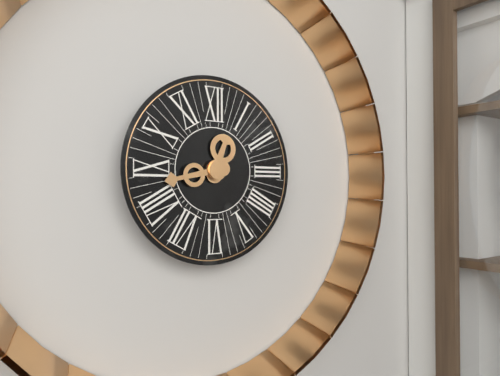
12:43
